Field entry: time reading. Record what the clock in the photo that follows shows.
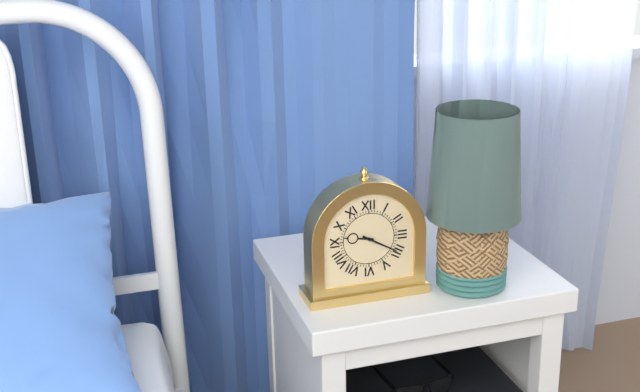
9:20
